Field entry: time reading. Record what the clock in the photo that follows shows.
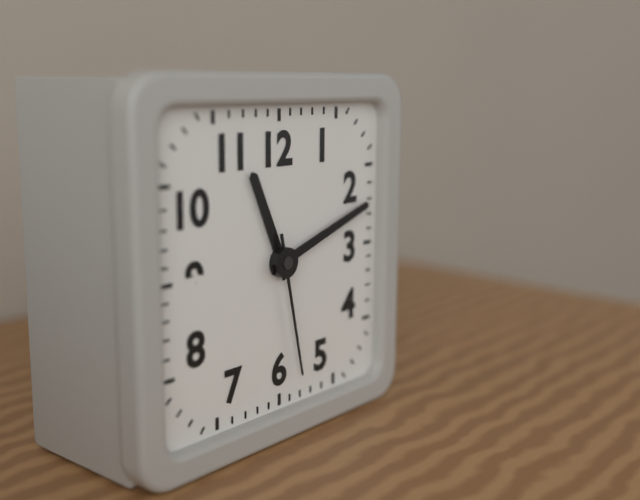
11:12:28
